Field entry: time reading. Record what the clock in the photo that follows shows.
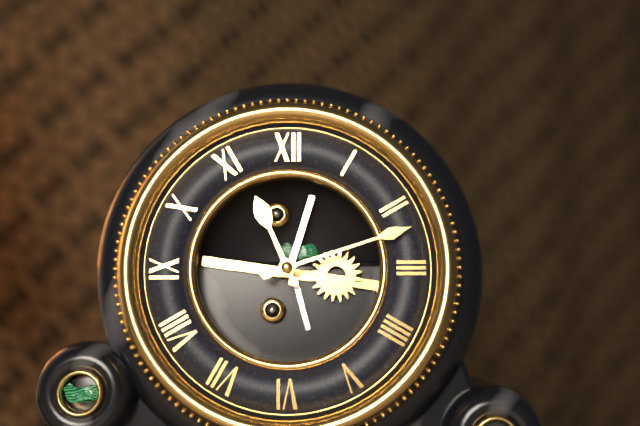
11:12
